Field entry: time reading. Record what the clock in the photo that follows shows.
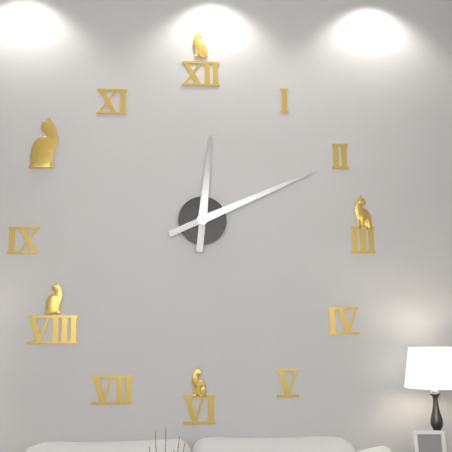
12:11
